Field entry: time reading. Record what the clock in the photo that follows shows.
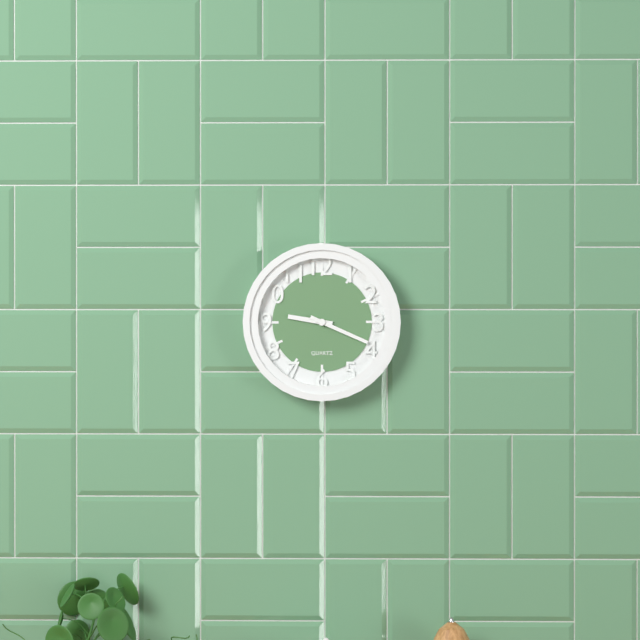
9:19
